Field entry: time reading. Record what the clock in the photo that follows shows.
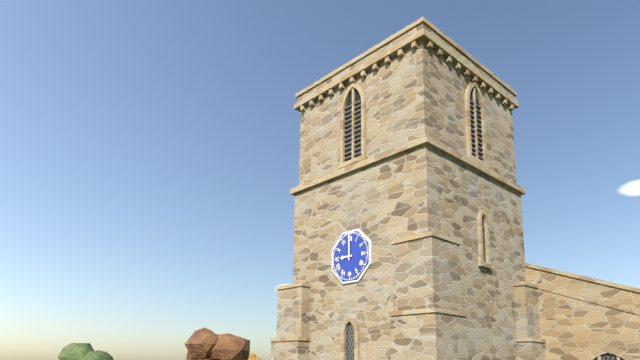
9:00
